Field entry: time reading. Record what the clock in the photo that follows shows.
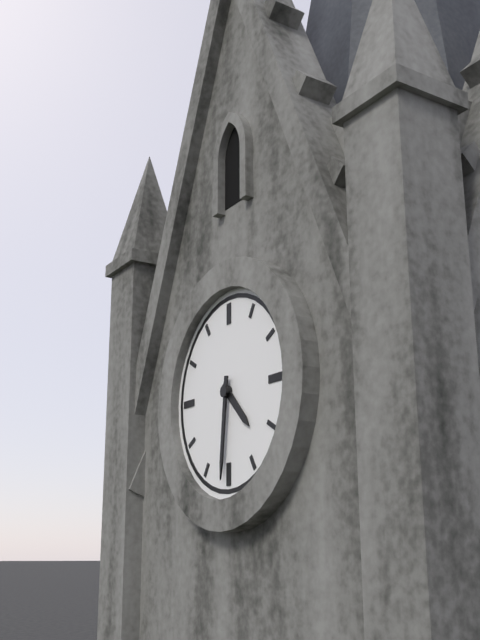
4:31
